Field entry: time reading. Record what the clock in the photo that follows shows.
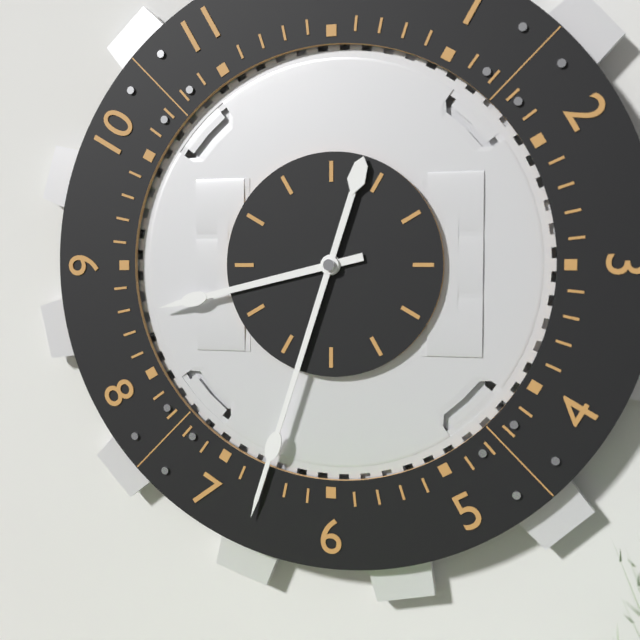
8:33
